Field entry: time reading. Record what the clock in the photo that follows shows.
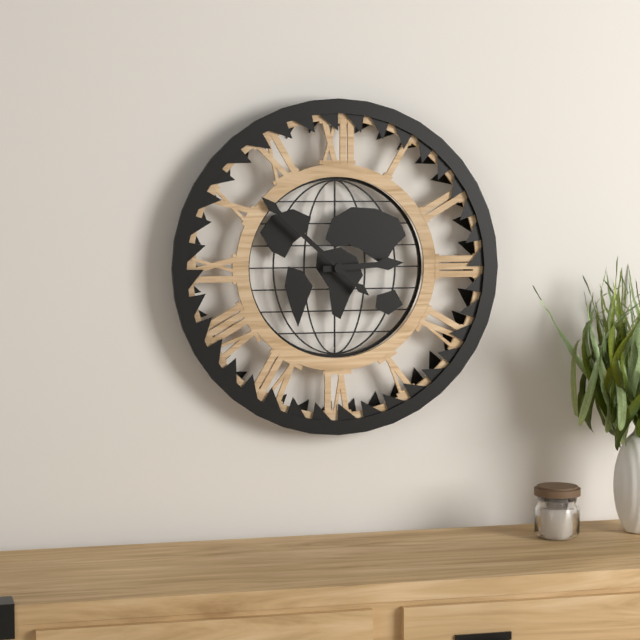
2:52
